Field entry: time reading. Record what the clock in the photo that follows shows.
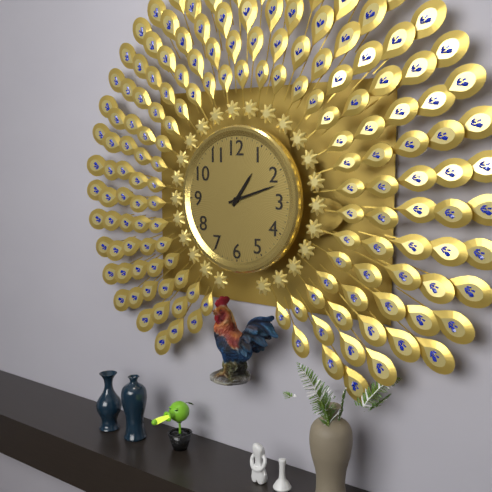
1:12
